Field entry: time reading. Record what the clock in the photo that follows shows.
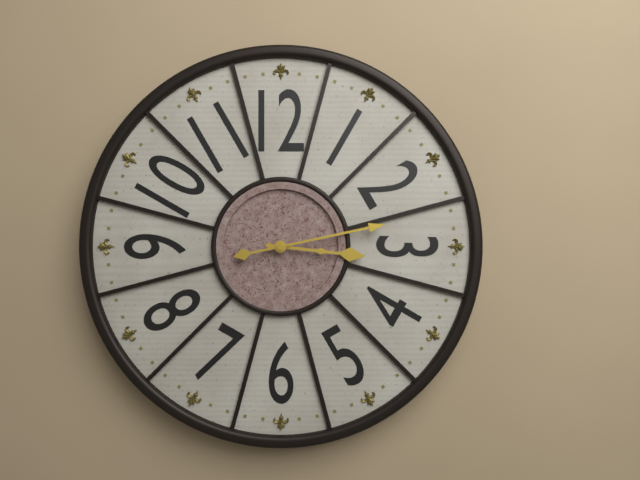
3:13
